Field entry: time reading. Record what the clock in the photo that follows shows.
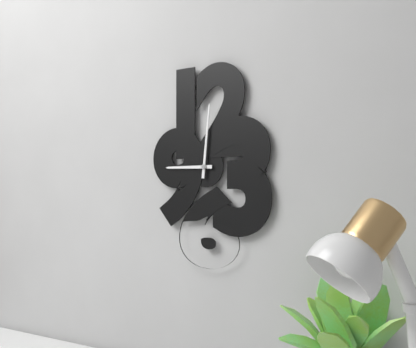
9:01
